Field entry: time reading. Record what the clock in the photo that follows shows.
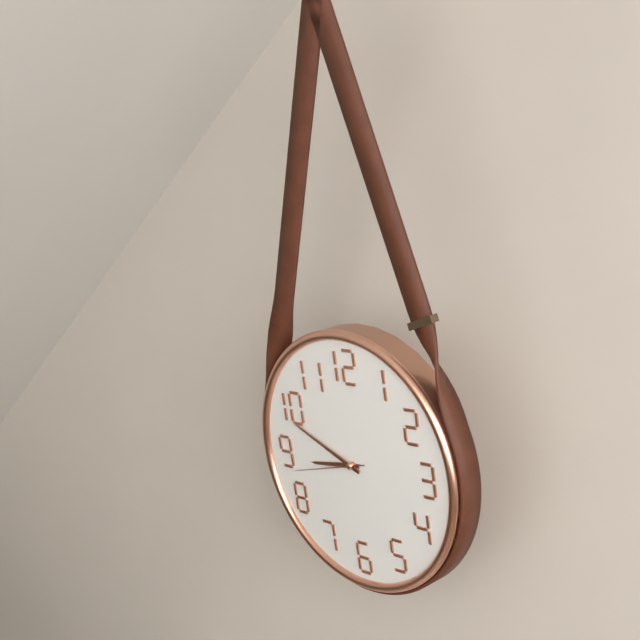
8:49:43
